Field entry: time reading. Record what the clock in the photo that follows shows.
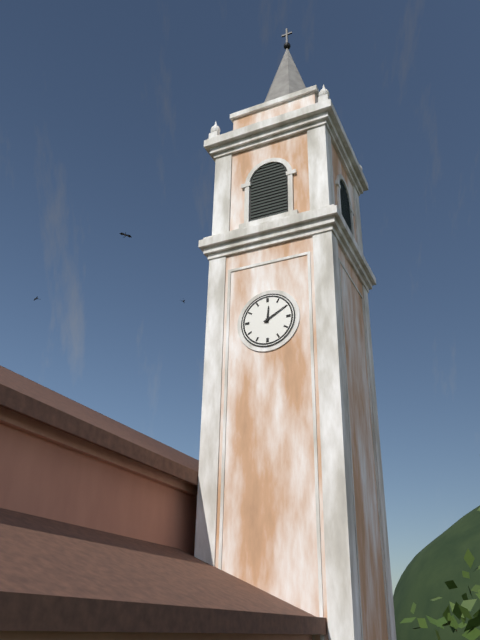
12:10
